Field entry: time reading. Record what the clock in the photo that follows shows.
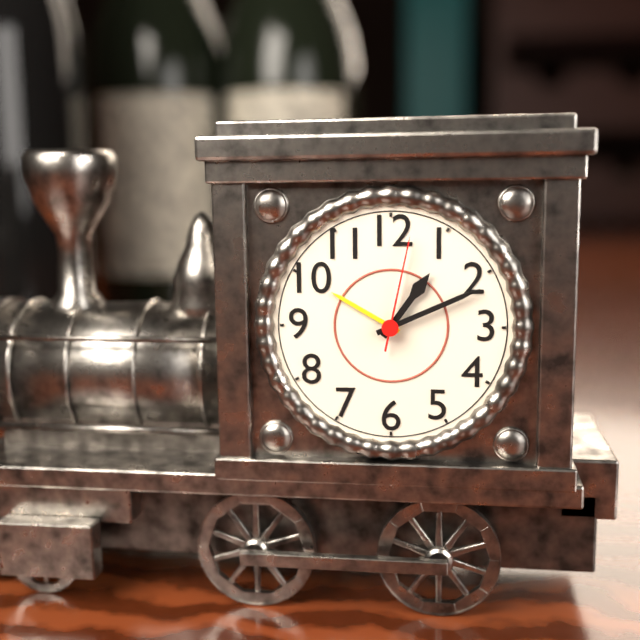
1:11:02
